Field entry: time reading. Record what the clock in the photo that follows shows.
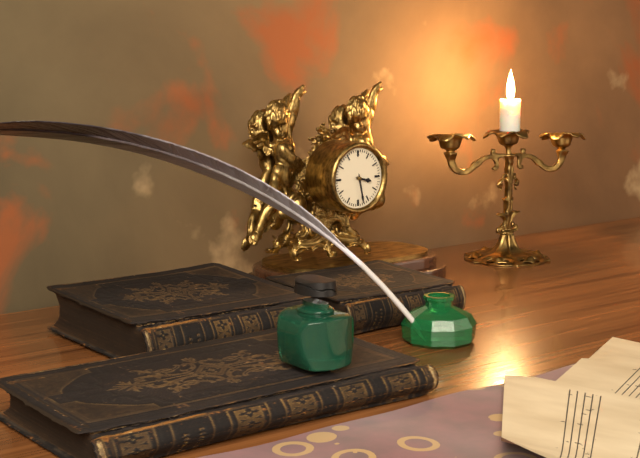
3:28
